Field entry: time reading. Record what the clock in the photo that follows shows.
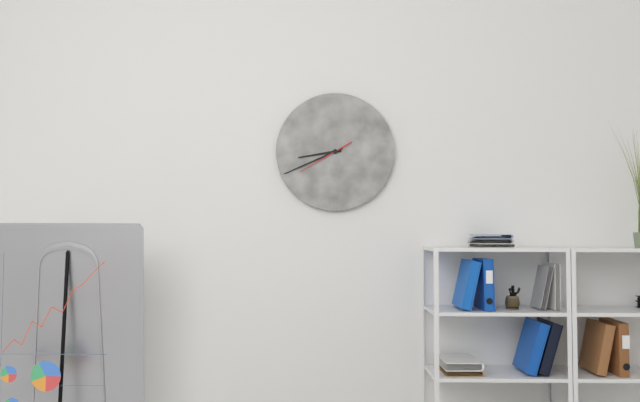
8:41:40
